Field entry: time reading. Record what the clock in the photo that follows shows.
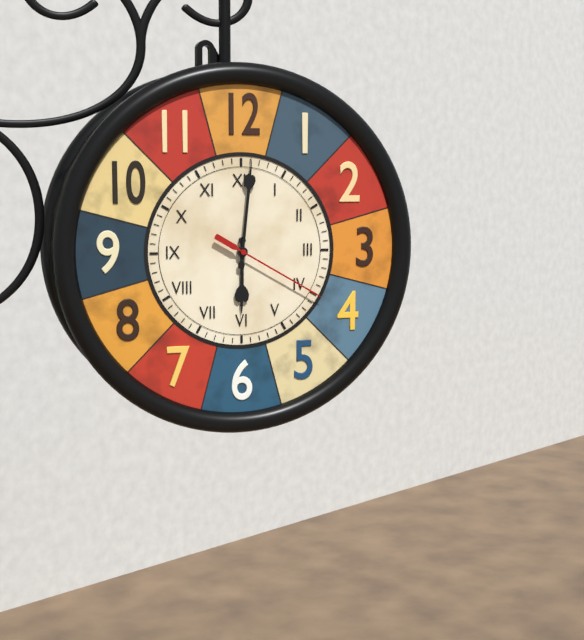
6:01:20
